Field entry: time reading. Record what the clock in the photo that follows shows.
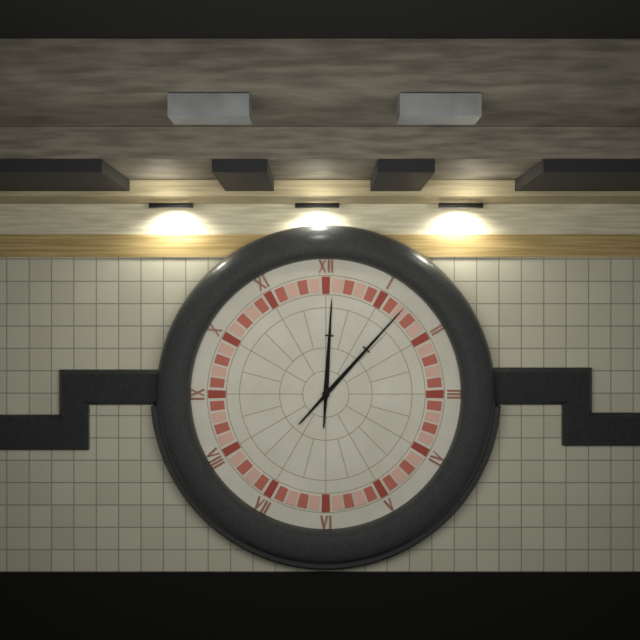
12:07
